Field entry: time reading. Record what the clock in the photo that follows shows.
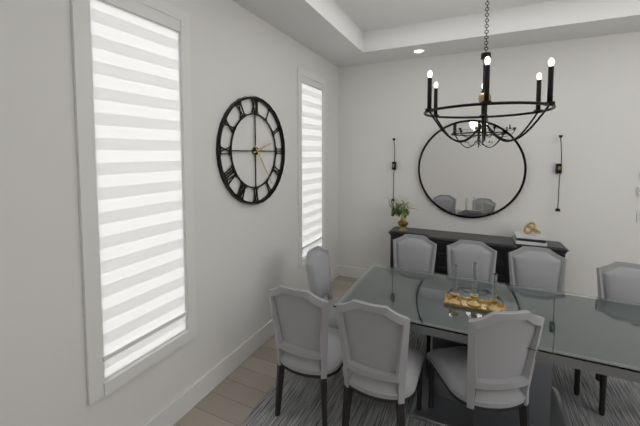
2:24
